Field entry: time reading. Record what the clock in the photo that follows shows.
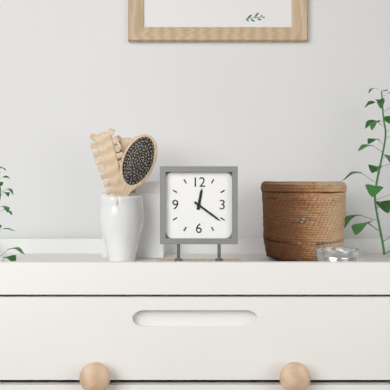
12:21
